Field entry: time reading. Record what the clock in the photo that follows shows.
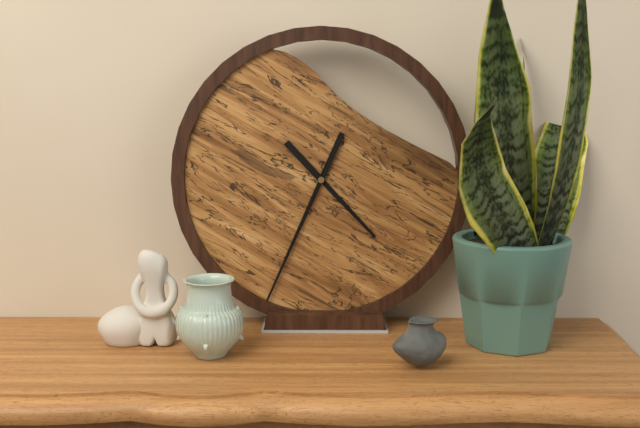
4:34
